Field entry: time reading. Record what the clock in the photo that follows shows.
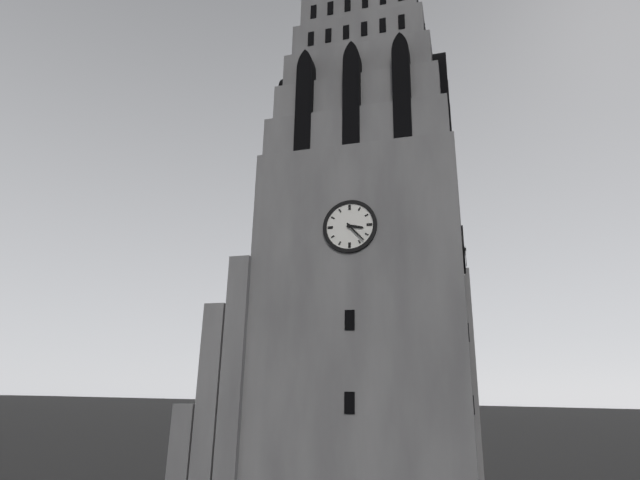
3:23
